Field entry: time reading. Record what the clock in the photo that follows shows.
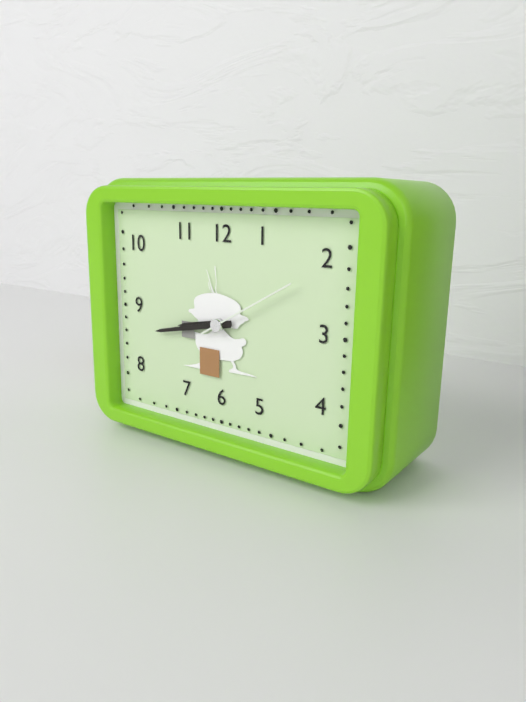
8:43:10
